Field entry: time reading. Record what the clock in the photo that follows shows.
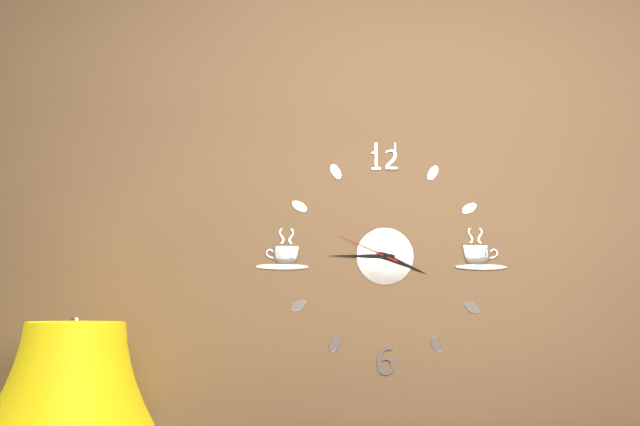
3:45:49
